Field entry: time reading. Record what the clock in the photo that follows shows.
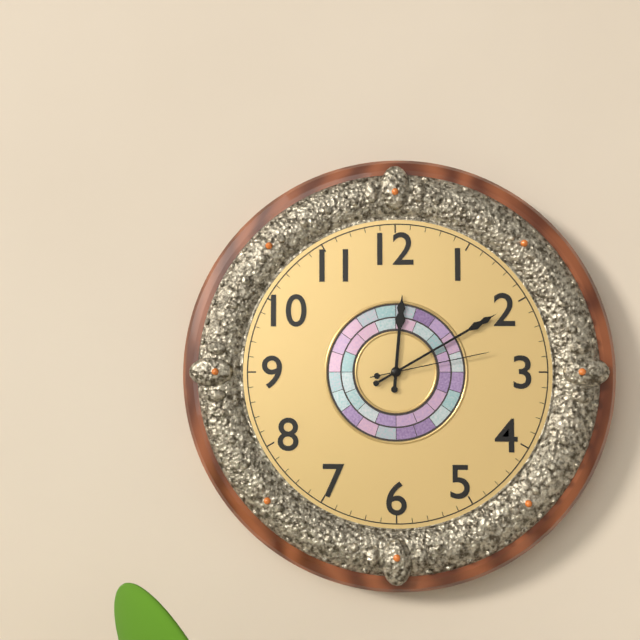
12:10:13
